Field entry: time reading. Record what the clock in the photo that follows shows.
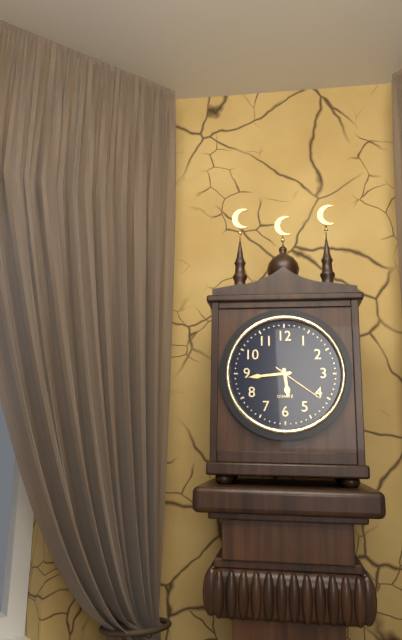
5:44:21
